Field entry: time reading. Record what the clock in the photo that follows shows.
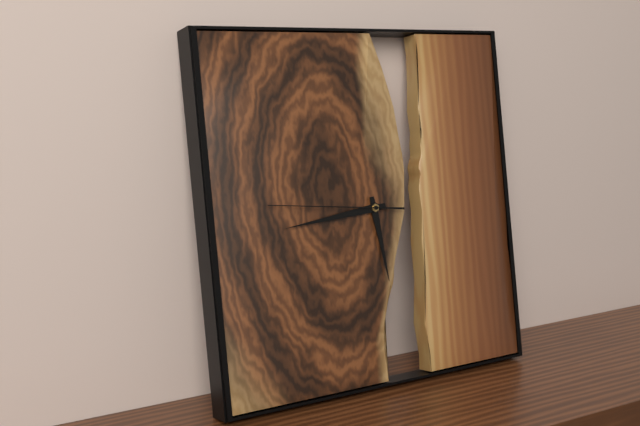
5:44:46
